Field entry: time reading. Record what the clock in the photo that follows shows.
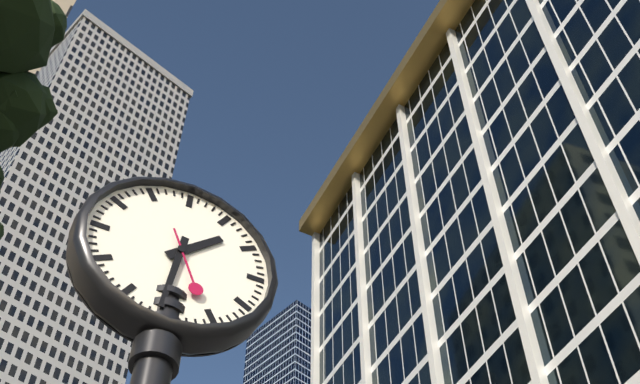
1:31:26
